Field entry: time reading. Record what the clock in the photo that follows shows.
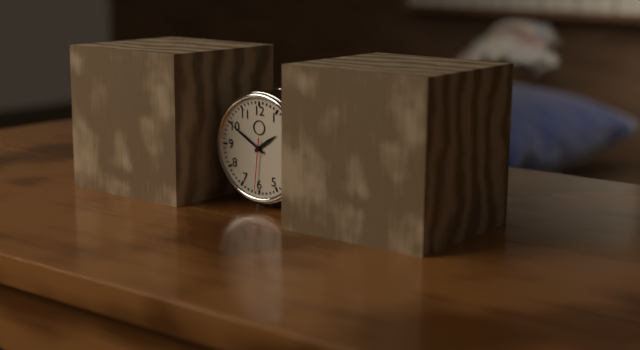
1:50:31
